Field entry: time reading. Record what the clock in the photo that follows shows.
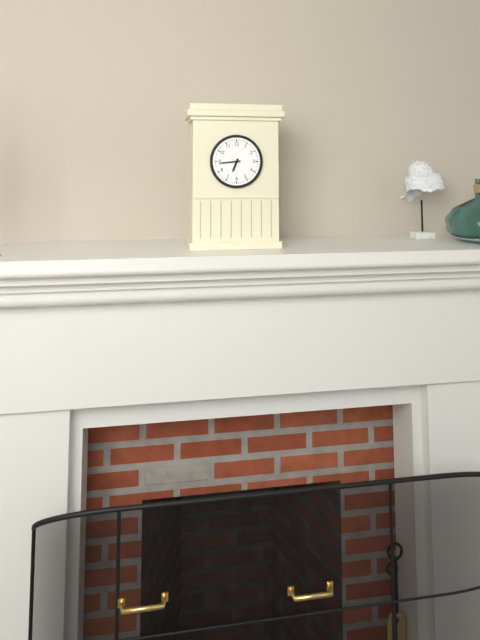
6:44
